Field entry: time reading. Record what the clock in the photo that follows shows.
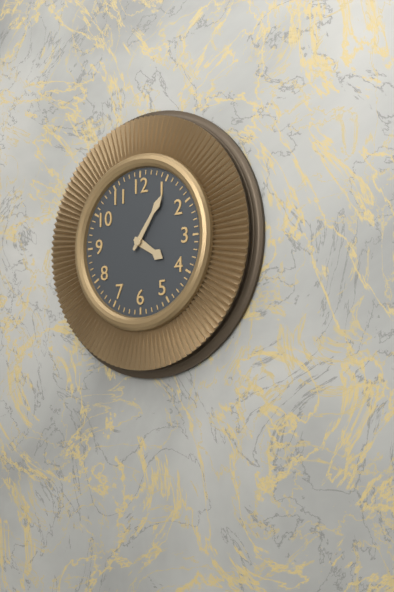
4:06
